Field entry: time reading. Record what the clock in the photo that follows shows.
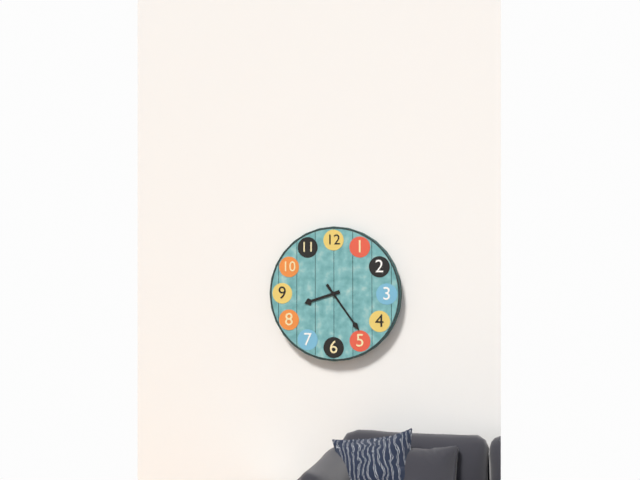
8:24
